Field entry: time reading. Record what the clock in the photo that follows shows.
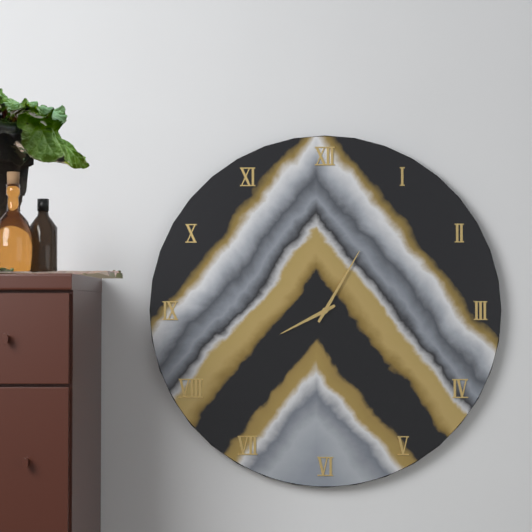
8:05
